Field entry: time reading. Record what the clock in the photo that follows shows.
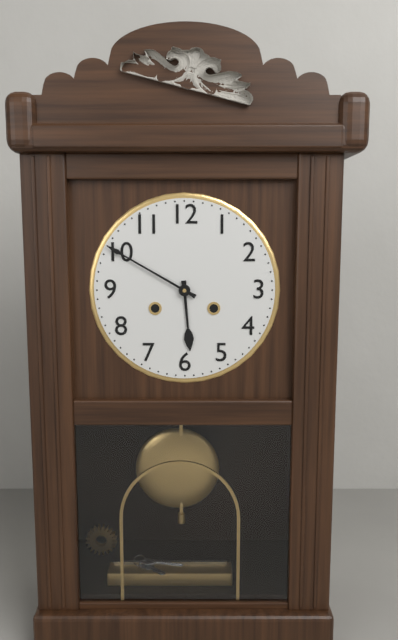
5:50
